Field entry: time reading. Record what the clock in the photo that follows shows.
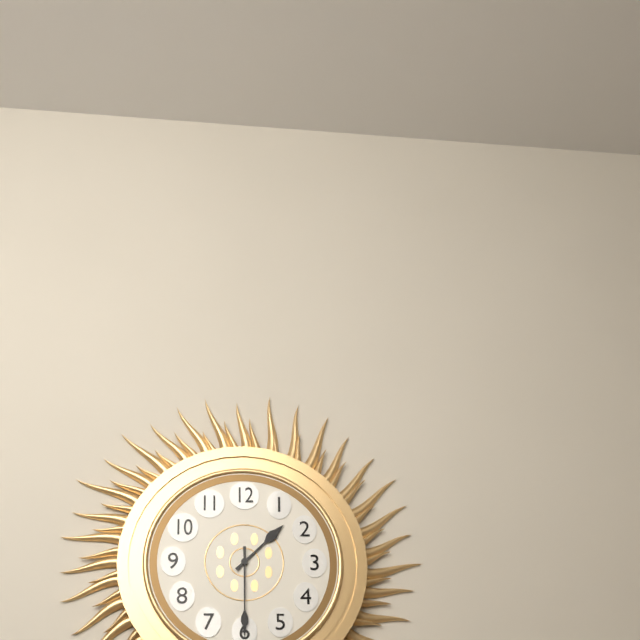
1:30
